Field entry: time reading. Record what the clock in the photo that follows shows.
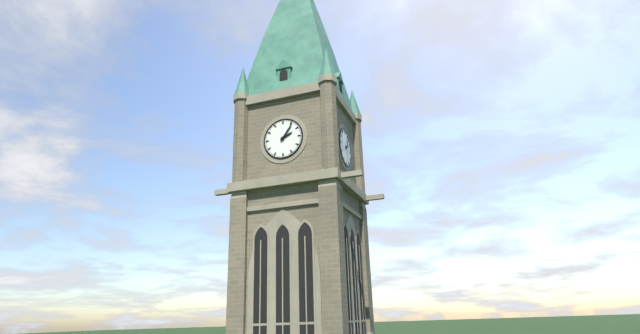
2:06
